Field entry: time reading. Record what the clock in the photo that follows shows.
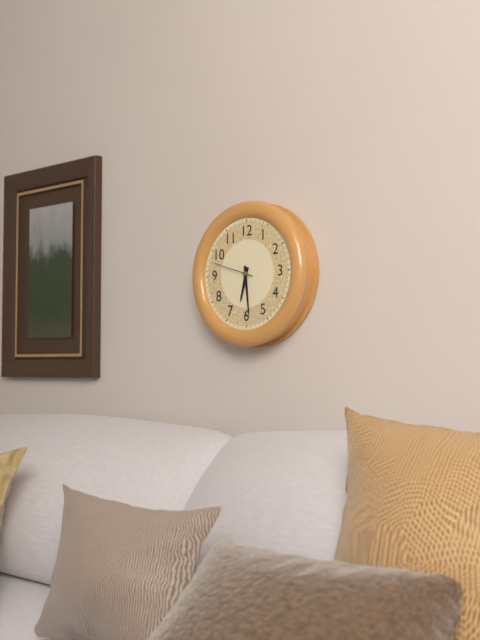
6:29
